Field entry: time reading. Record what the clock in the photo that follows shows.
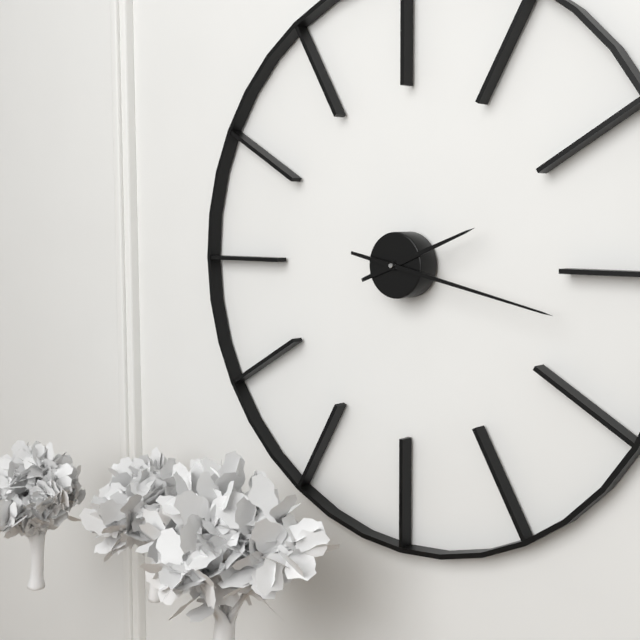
2:17
